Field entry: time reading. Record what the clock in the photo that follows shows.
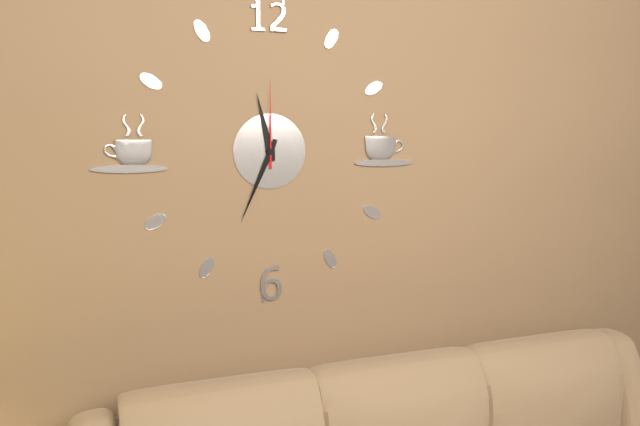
11:34:00
